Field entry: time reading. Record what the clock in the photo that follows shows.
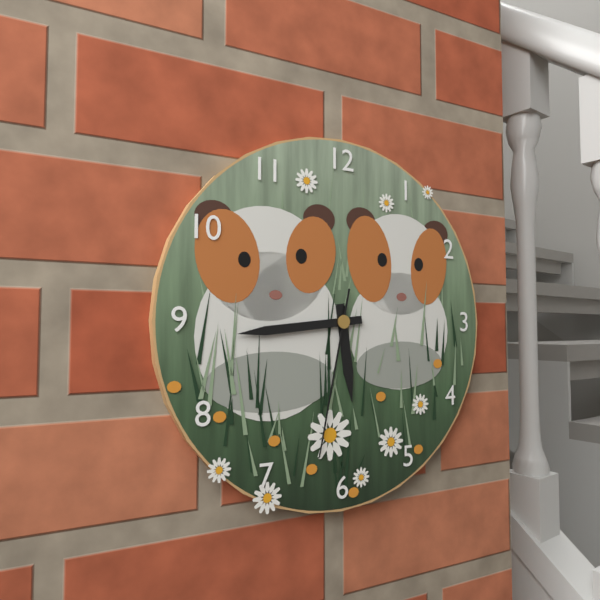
5:44:32
